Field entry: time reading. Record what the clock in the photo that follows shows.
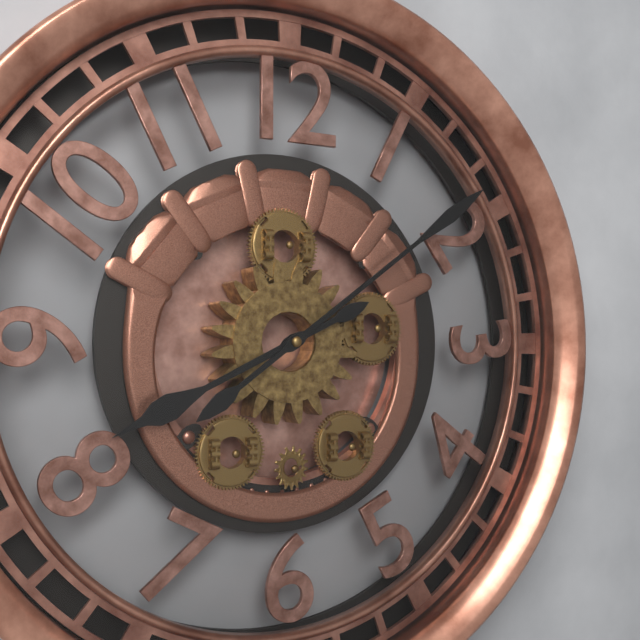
8:09
